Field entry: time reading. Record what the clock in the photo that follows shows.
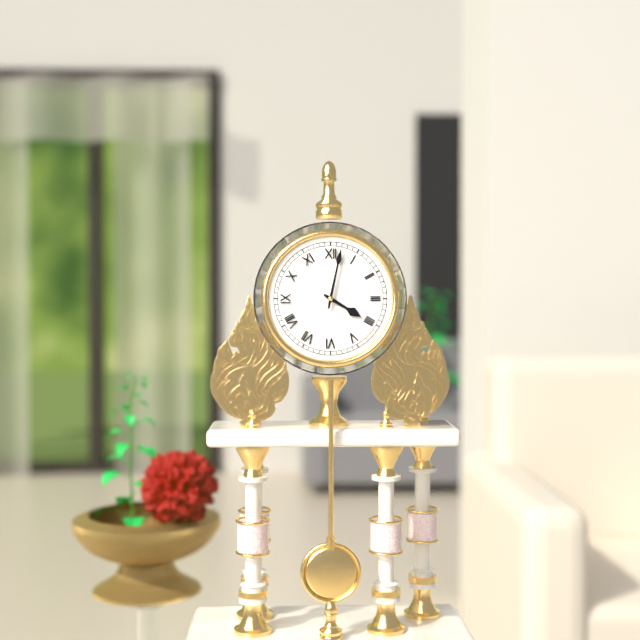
4:02
